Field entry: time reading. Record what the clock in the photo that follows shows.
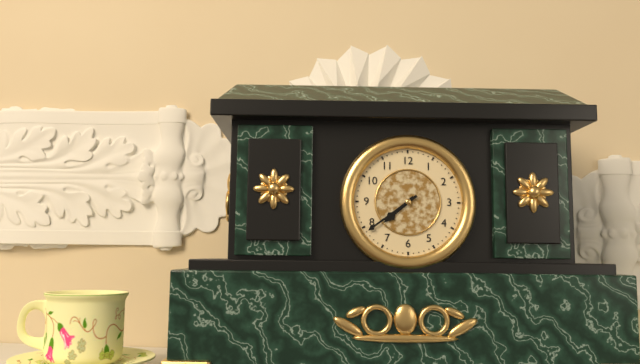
7:39
